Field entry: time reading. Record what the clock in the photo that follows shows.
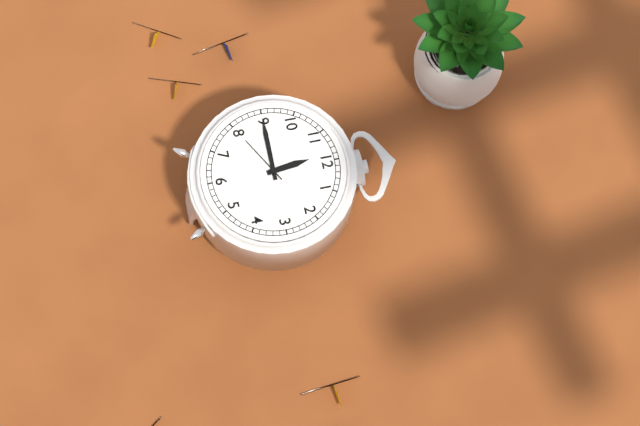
11:45:40
